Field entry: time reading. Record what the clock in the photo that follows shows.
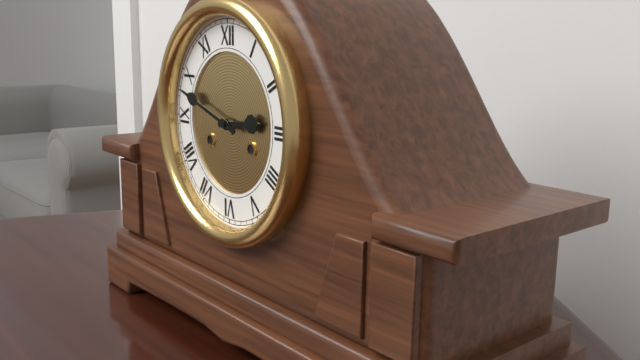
2:48
